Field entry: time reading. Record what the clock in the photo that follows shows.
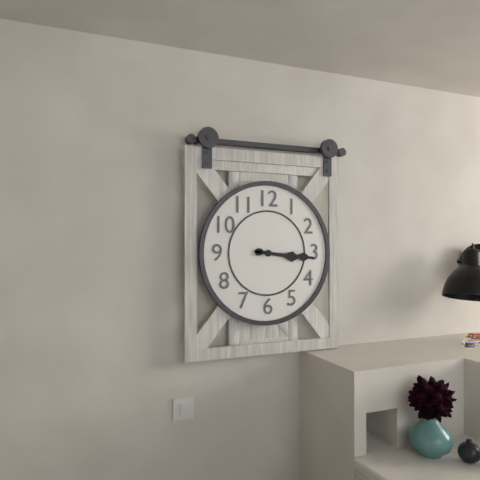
3:16
